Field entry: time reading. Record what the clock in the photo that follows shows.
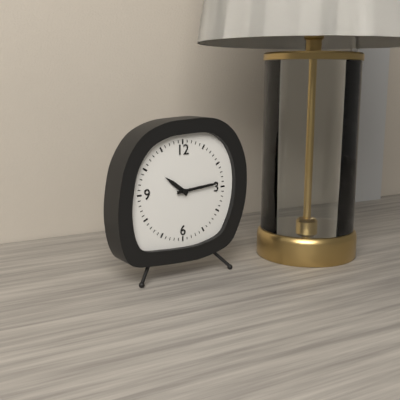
10:14
